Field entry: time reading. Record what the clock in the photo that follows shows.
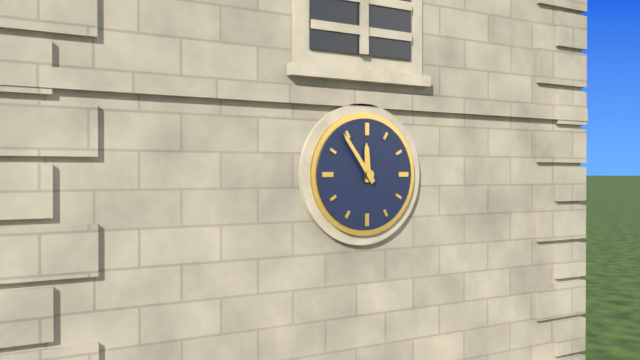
11:54
